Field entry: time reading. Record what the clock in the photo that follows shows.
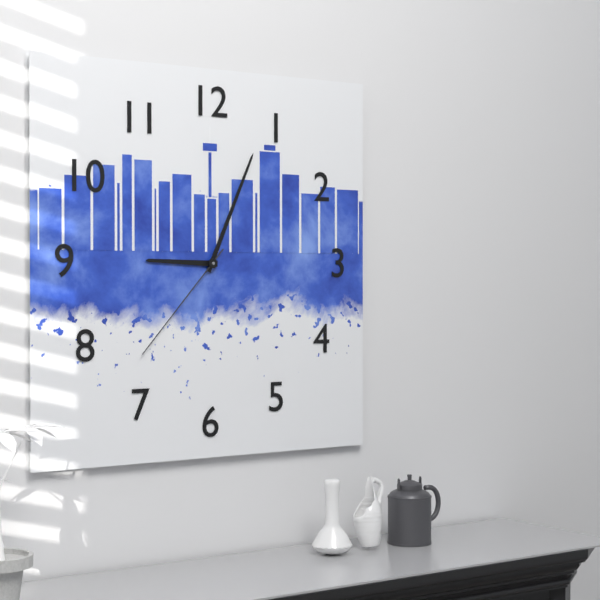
9:04:37
